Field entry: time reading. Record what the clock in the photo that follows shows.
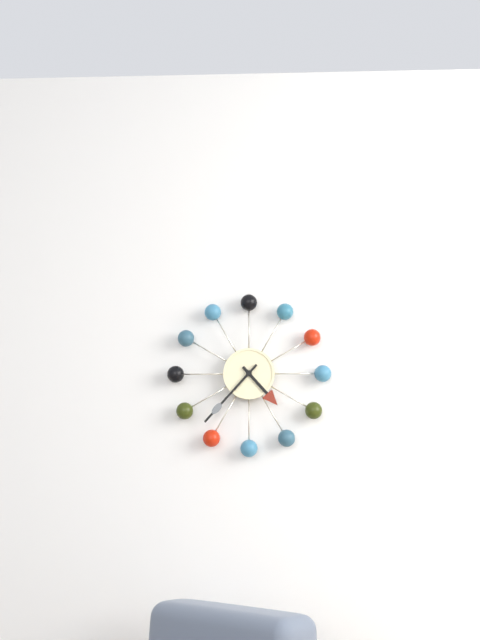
4:37
